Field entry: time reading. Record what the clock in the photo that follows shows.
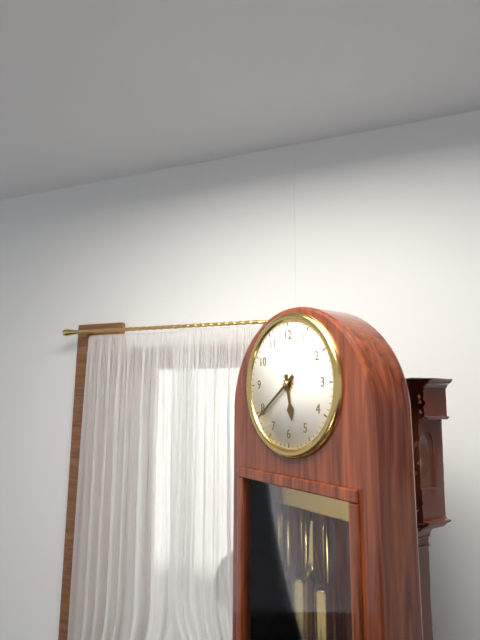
5:39
